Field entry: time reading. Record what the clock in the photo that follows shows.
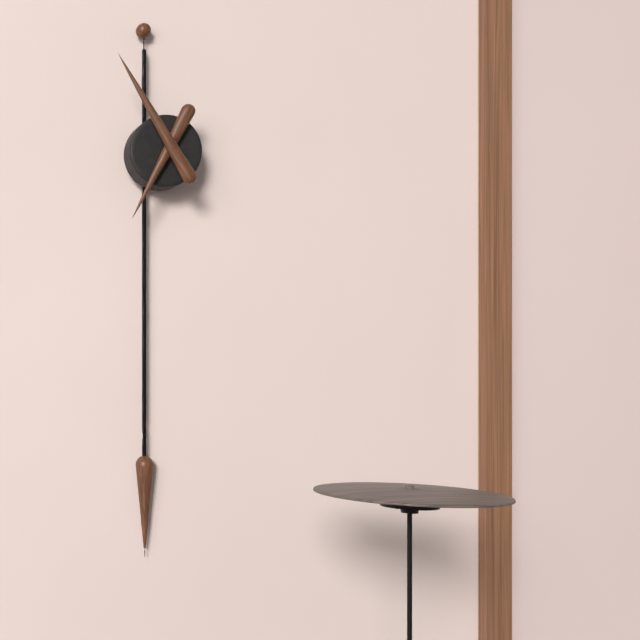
6:55
